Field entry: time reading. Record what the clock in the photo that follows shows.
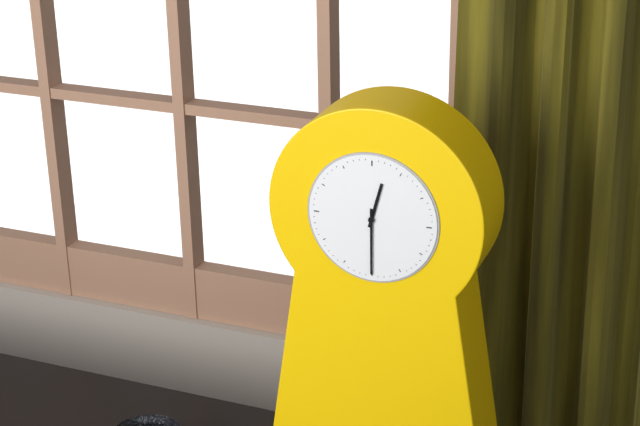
12:30
